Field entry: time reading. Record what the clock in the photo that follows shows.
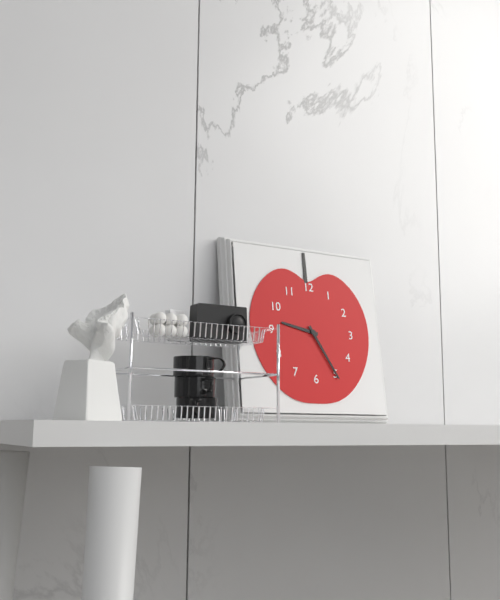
9:25
